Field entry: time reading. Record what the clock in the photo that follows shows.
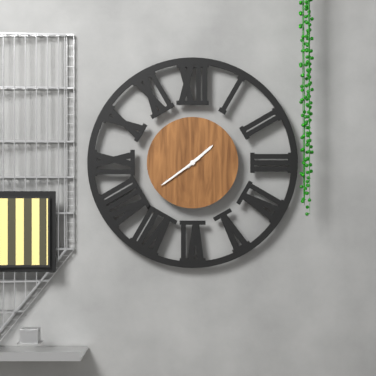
1:39
